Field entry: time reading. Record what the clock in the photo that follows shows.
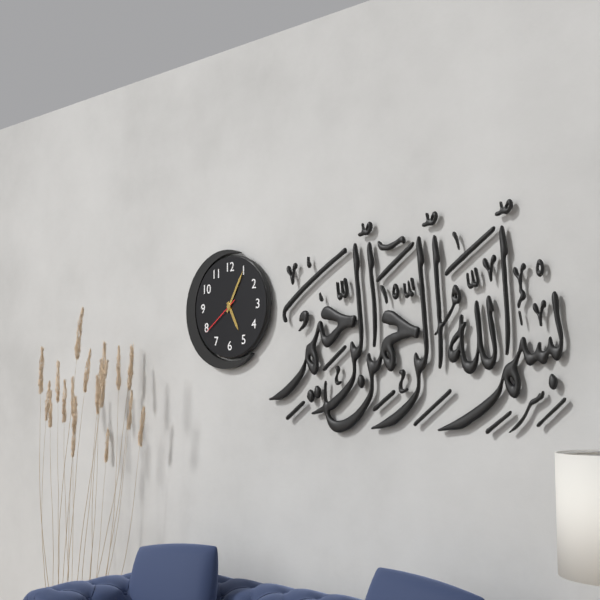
5:05:39
